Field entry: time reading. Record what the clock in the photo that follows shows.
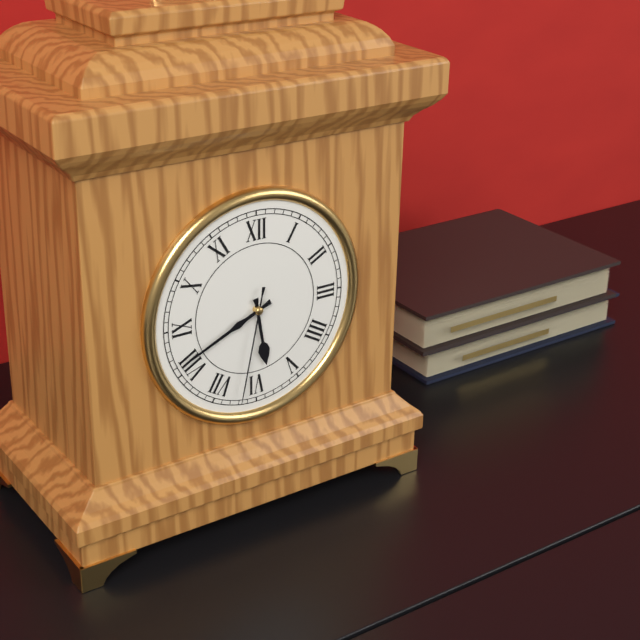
5:41:32
